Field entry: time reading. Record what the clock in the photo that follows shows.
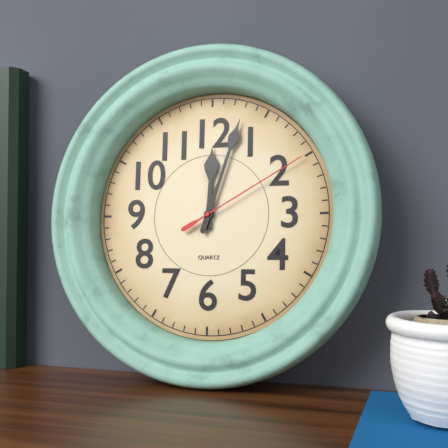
12:03:10
